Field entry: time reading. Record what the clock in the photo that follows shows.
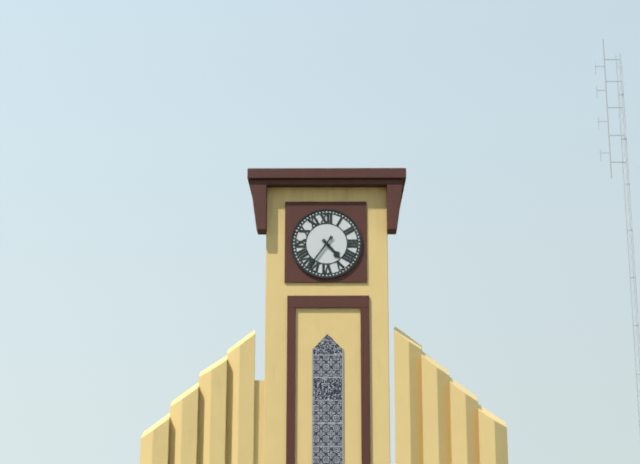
4:36
